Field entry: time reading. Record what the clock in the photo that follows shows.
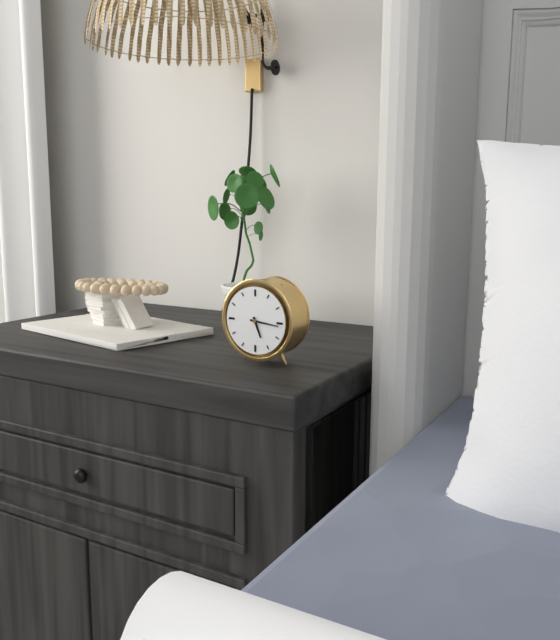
5:16
